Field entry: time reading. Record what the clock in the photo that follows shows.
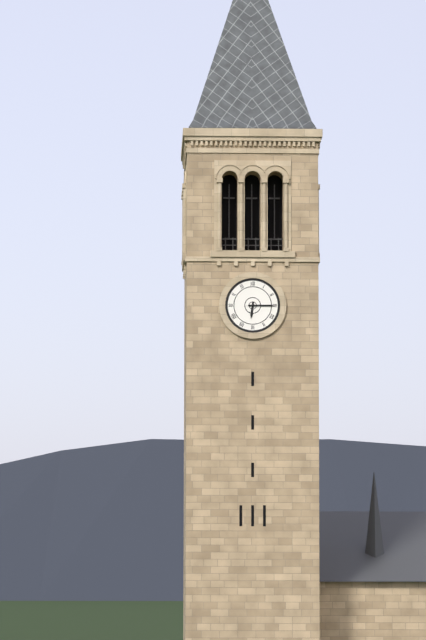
6:15
